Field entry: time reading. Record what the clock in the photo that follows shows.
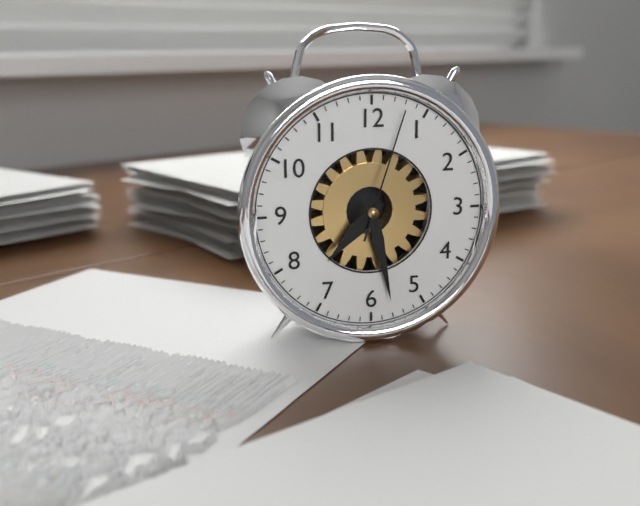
7:28:03
